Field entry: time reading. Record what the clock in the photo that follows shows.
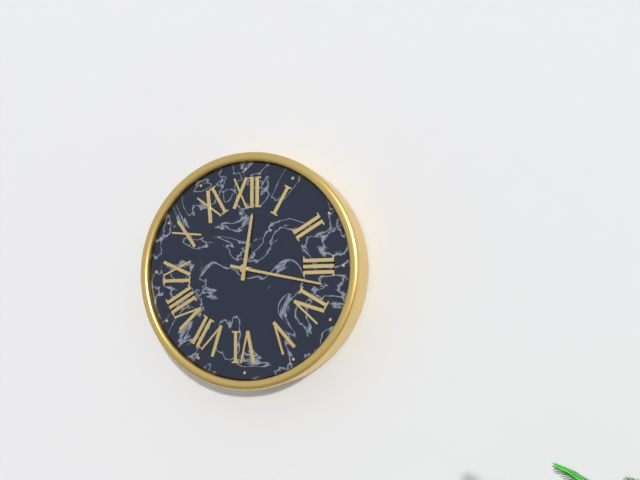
12:17
